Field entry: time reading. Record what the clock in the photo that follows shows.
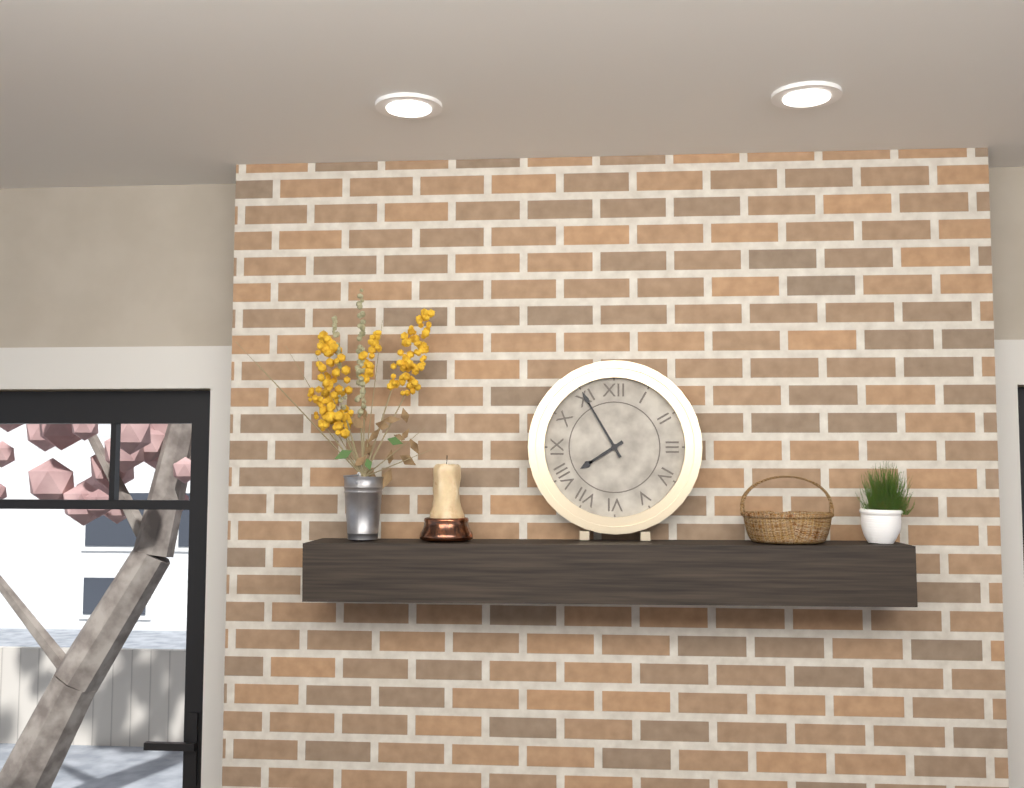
7:55
